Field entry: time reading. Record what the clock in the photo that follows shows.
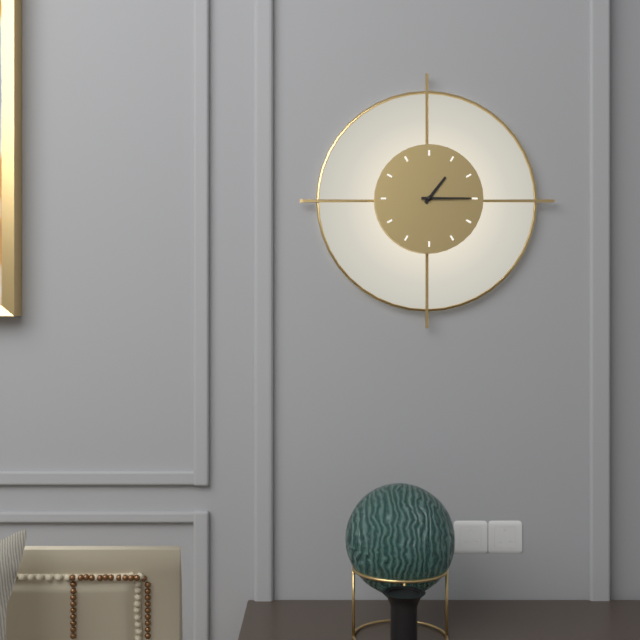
1:15
